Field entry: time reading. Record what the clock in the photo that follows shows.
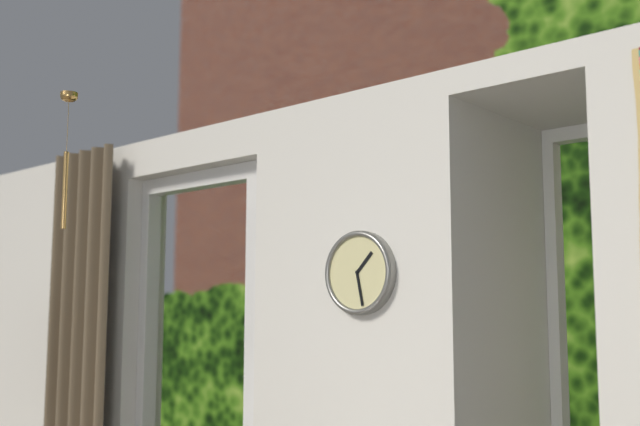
1:28
